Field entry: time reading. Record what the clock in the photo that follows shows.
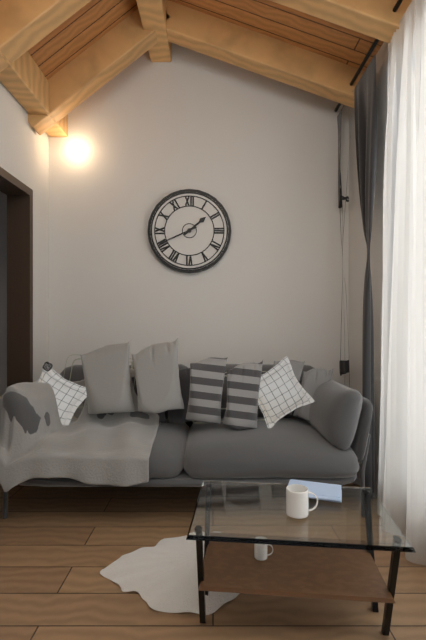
1:41
